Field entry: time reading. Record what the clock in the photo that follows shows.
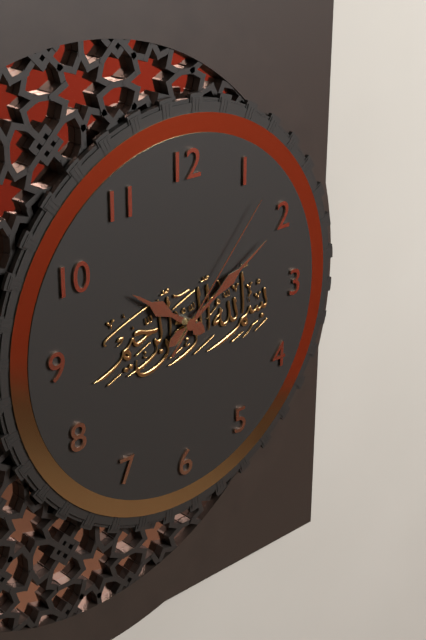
10:10:07
